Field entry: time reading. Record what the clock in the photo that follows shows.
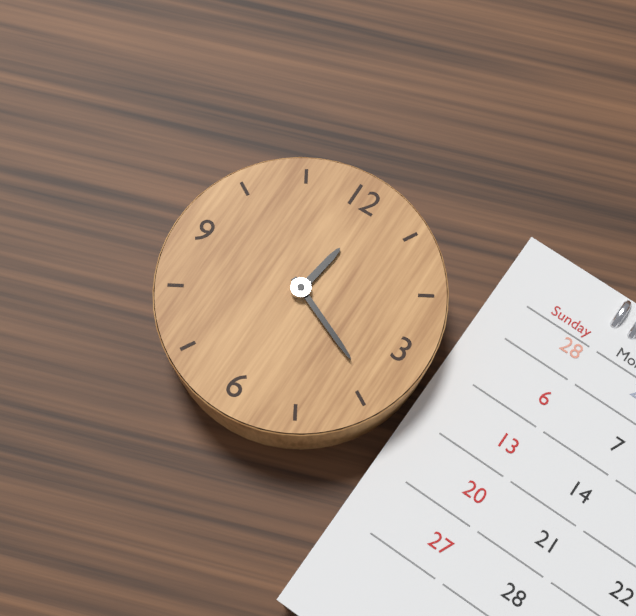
12:19
